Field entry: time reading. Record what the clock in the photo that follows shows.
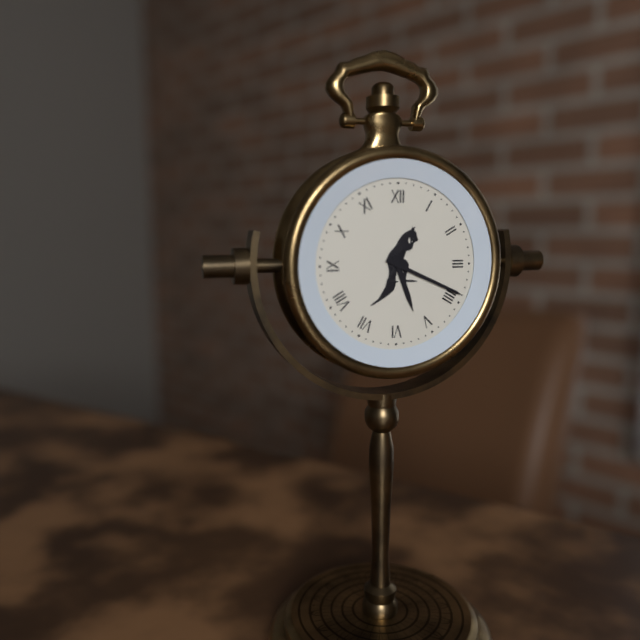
5:19
